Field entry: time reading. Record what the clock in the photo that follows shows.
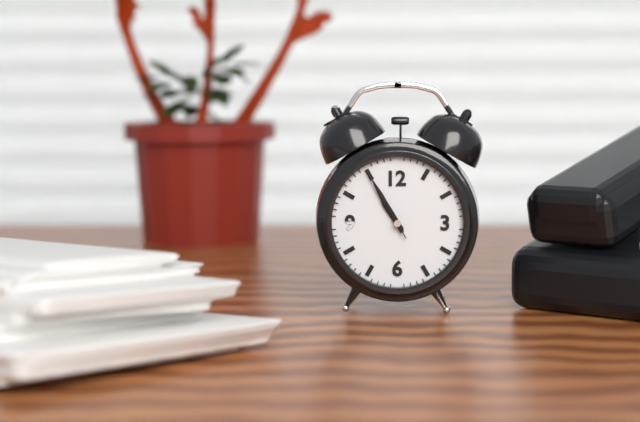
10:55:55
